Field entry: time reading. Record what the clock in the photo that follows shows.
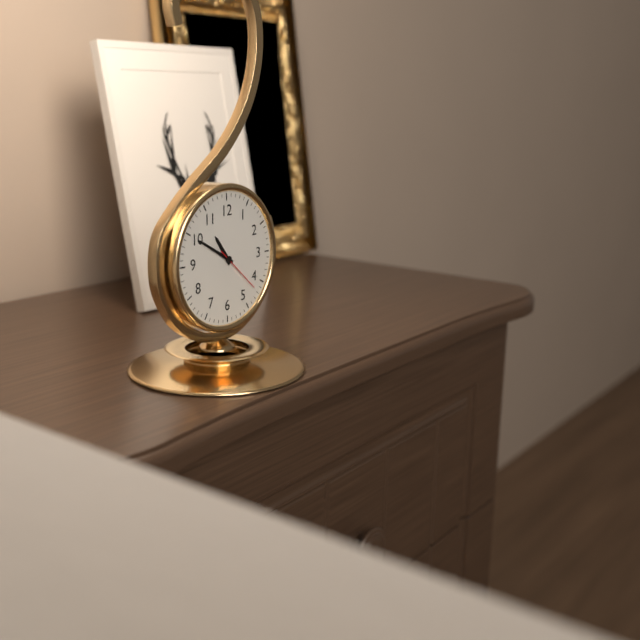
10:50
